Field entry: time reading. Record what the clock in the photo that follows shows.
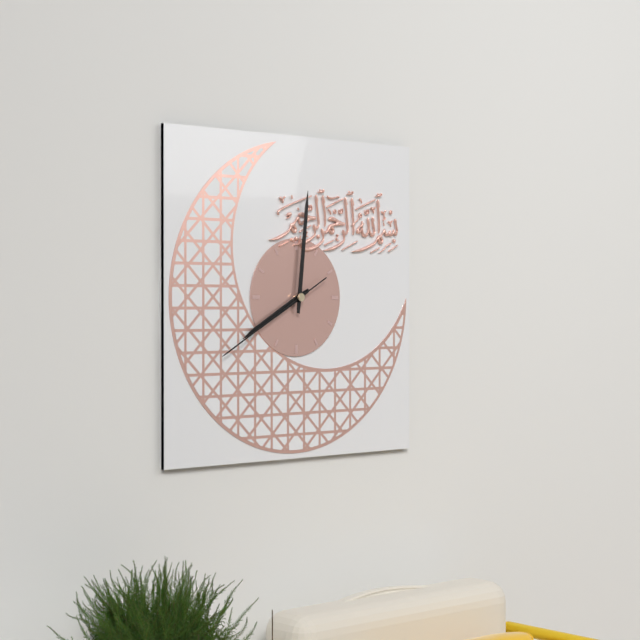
8:01:40
